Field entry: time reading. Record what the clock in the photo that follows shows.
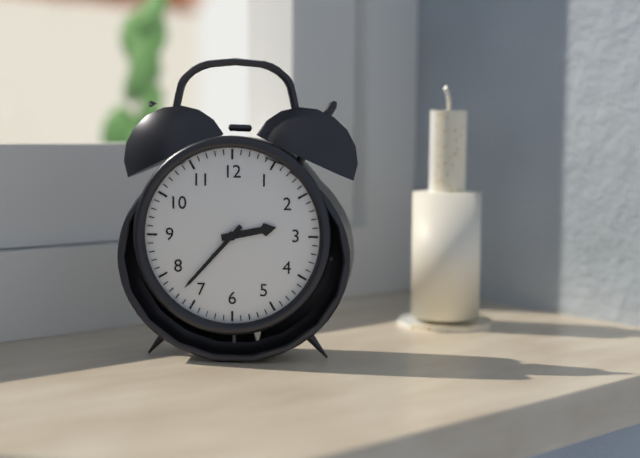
2:37
